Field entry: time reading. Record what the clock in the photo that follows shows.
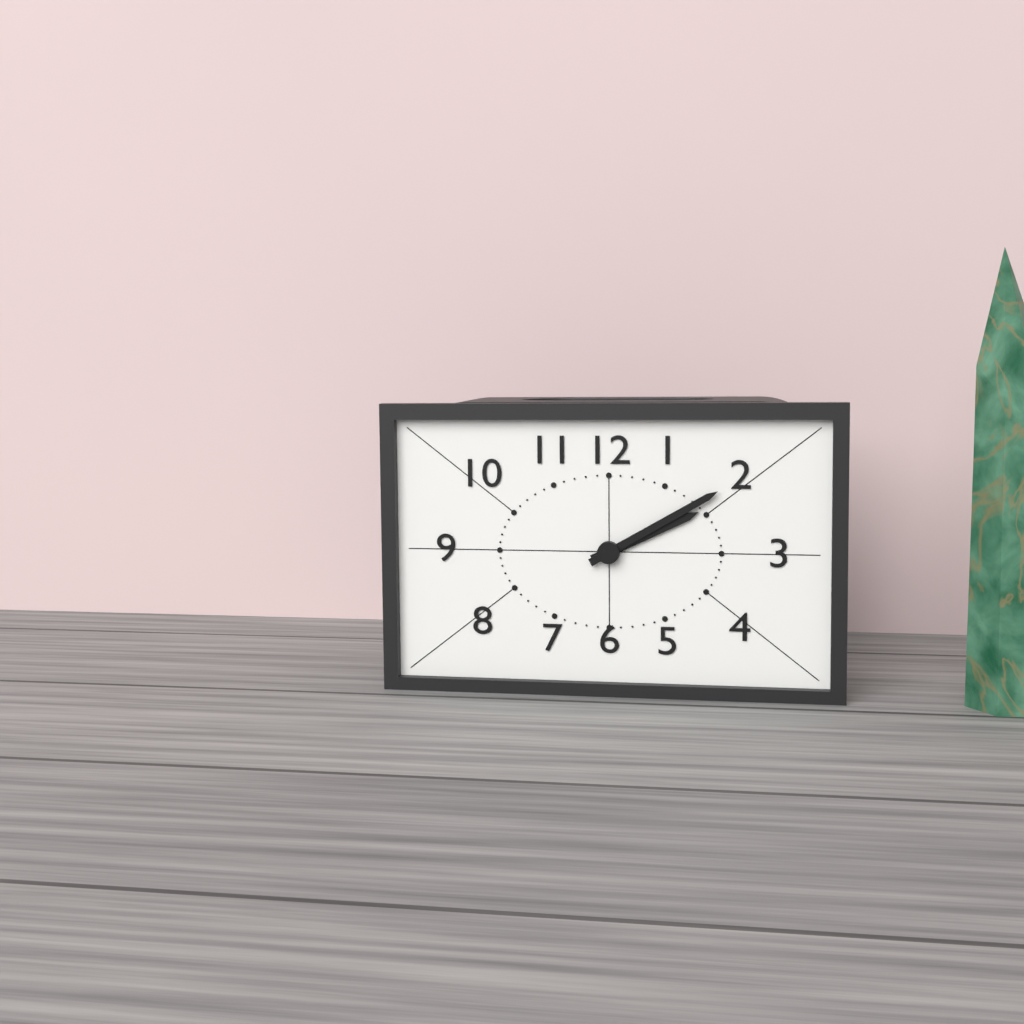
2:10
